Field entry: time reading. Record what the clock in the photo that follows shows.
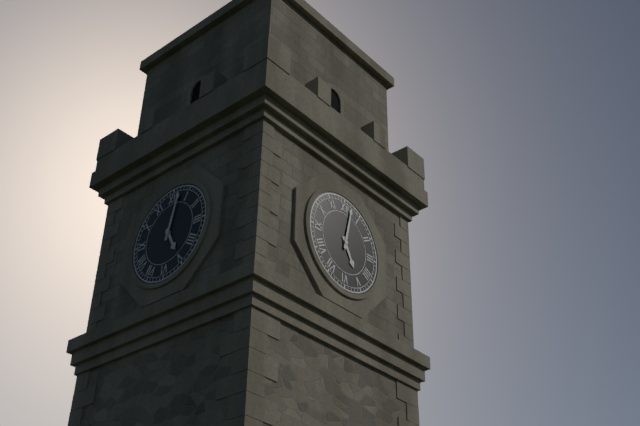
5:02
